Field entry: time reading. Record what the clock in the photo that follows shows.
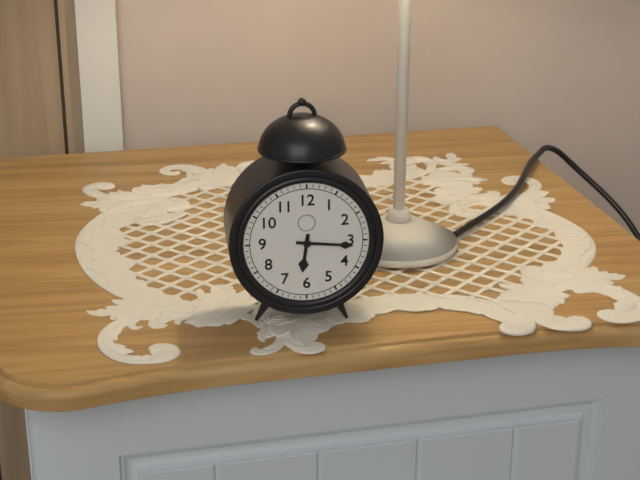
6:16
